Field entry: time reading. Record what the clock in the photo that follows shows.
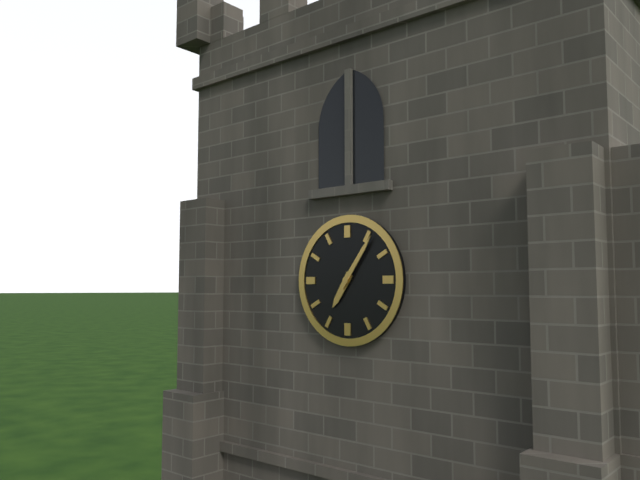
7:06
